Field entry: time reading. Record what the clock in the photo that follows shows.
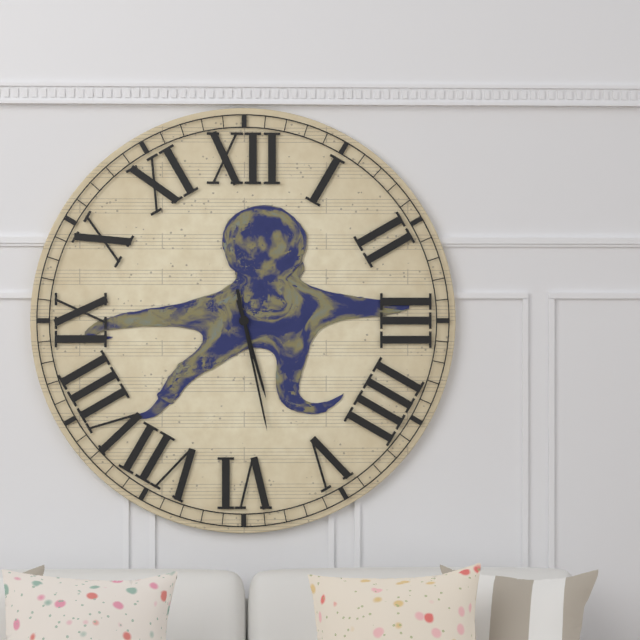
5:28
